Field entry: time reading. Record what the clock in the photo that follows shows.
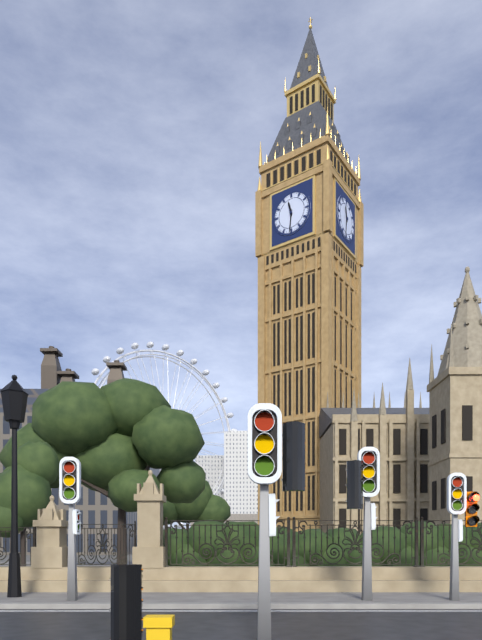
11:31
